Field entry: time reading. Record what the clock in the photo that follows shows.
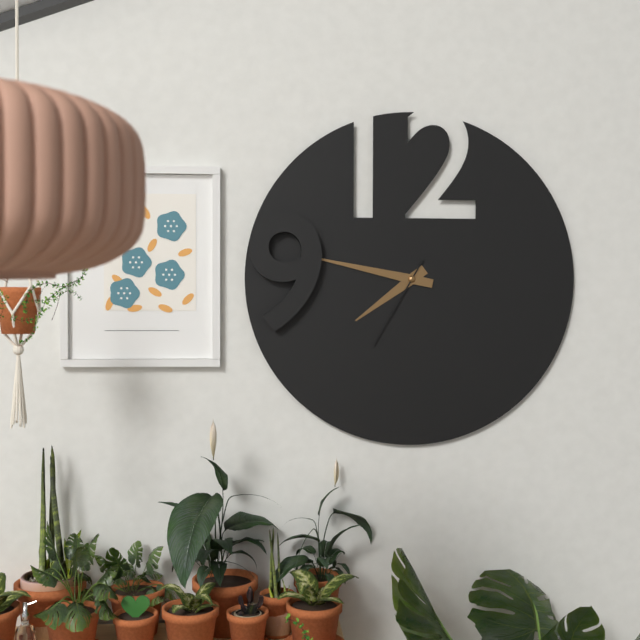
7:47:35
